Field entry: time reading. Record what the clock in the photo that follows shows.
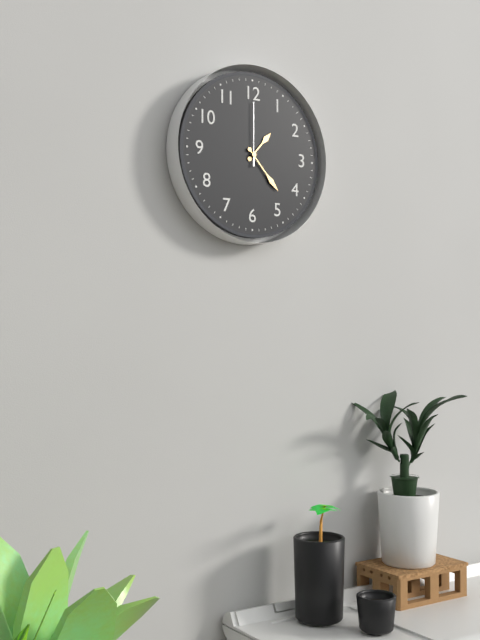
1:23:00
